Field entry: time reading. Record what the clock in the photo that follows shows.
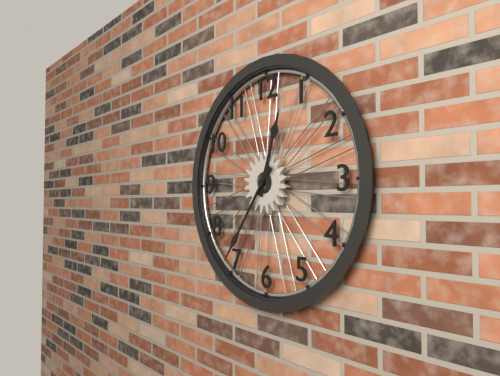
12:36
